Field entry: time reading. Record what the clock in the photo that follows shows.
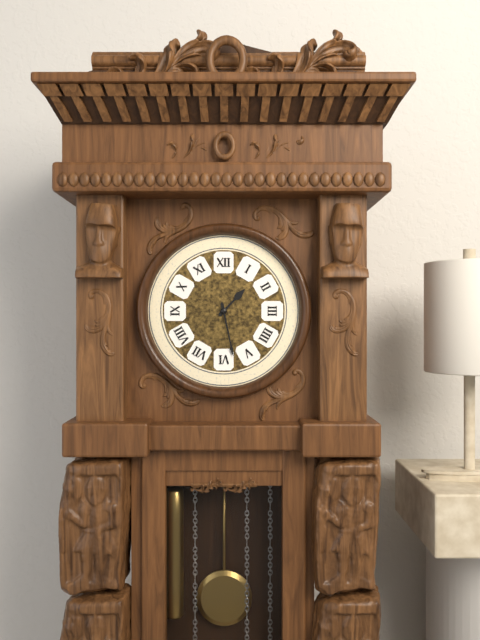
1:28
